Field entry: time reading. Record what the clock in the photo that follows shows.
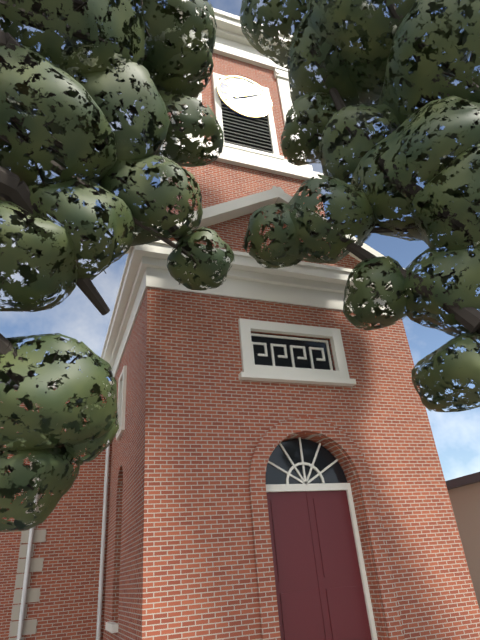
8:10
